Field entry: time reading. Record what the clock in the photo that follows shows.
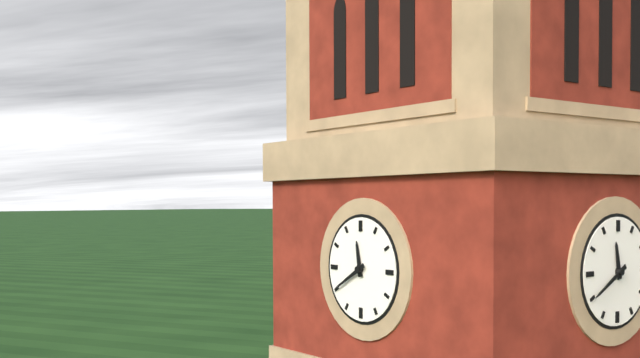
11:40
